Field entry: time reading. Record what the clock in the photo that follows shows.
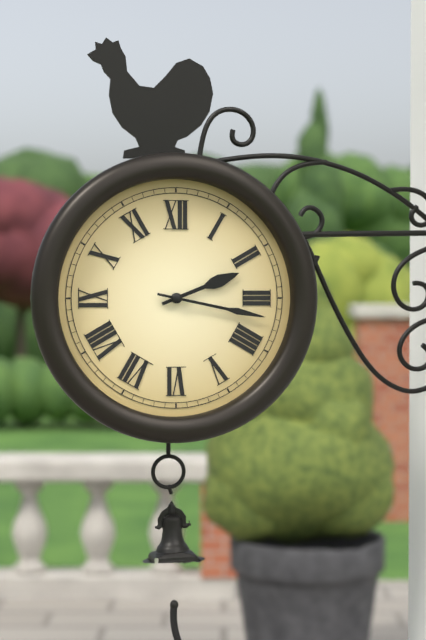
2:17
